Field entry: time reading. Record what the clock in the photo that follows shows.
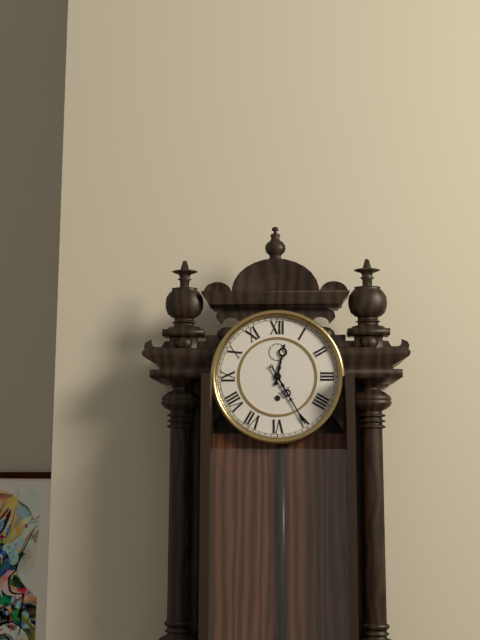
12:25
